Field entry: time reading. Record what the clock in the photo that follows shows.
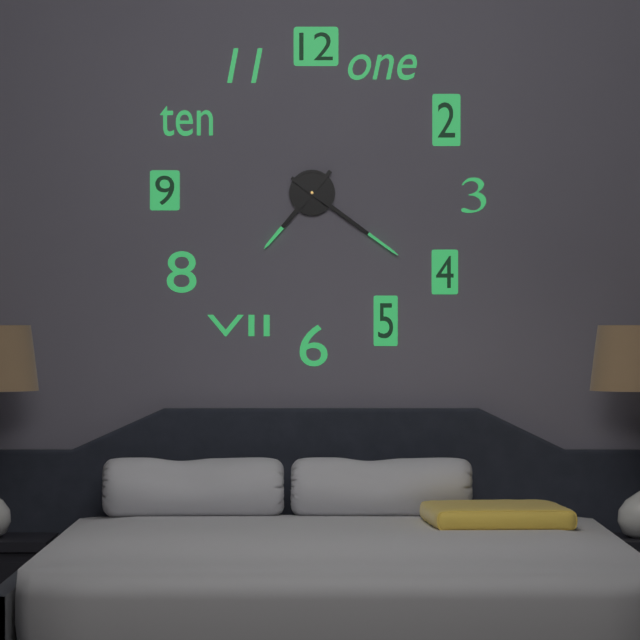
7:21
